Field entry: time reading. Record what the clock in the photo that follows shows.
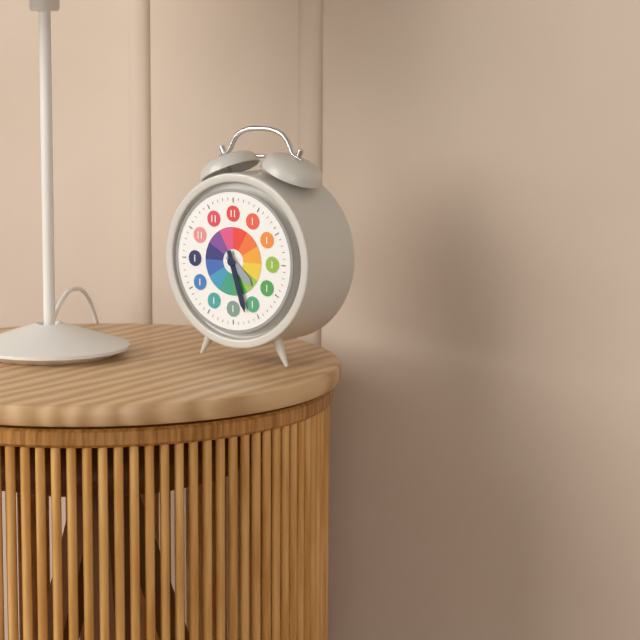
4:27
